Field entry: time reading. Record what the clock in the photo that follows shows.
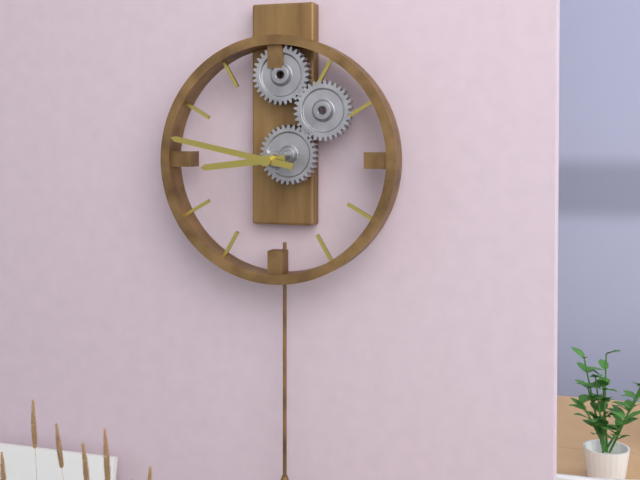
8:47
